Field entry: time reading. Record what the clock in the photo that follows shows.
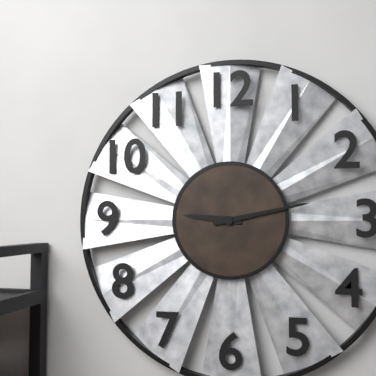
9:13
